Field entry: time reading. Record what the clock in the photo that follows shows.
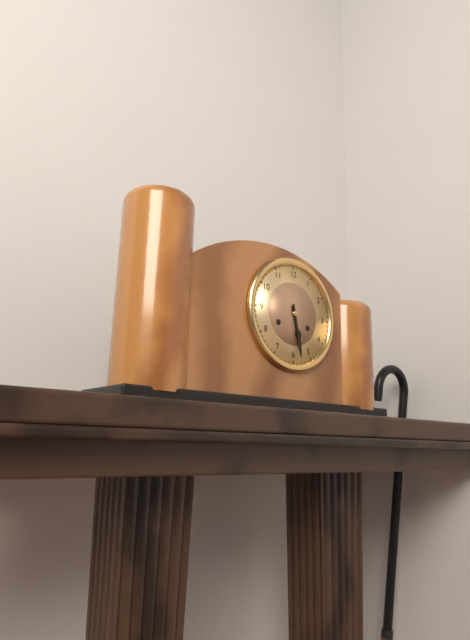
5:28
